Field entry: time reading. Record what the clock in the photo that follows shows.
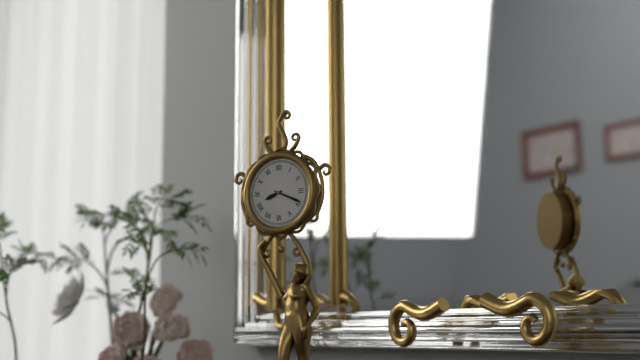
8:19
